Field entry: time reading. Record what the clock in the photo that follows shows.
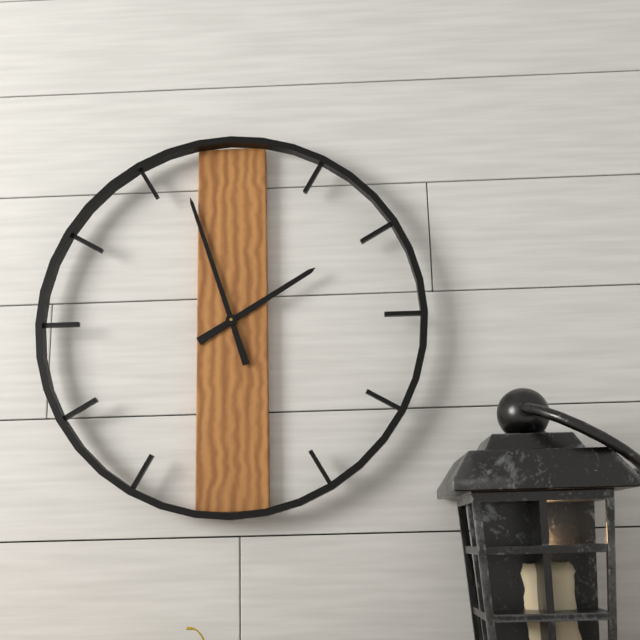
1:57
